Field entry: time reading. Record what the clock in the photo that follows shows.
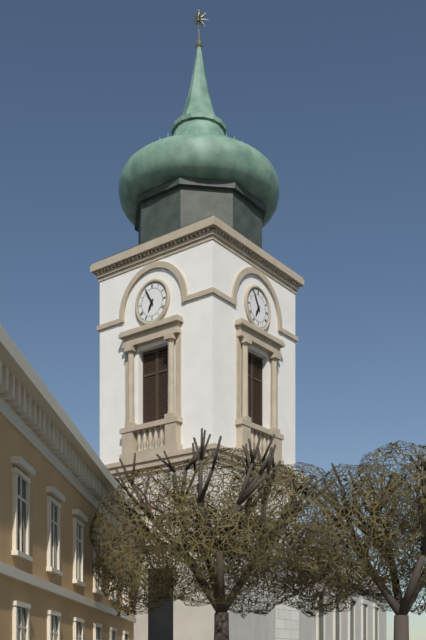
6:55
